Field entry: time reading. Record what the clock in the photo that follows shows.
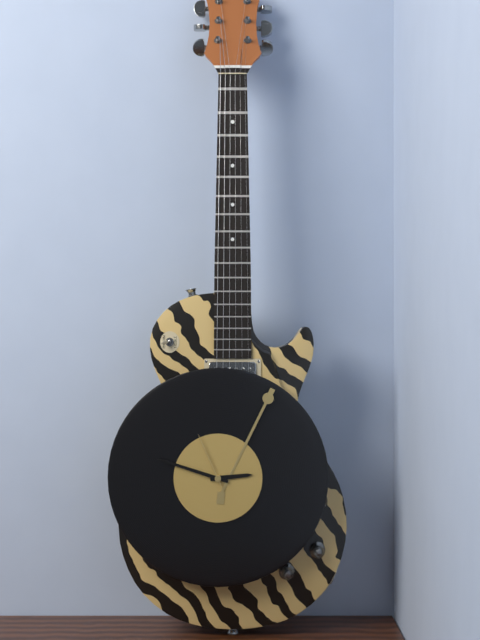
2:48:56
